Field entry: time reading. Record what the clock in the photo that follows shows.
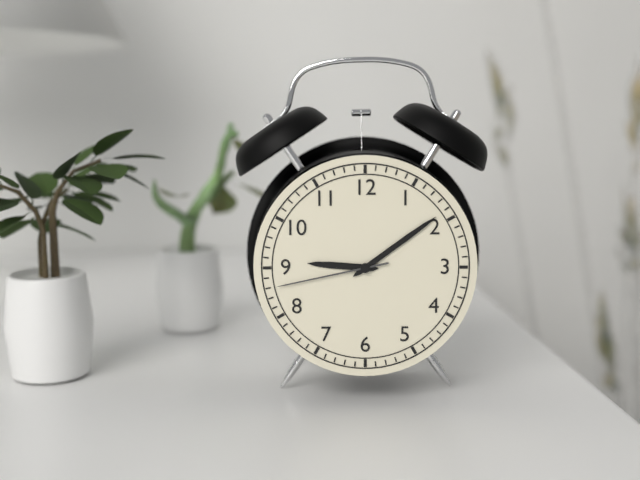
9:09:43
